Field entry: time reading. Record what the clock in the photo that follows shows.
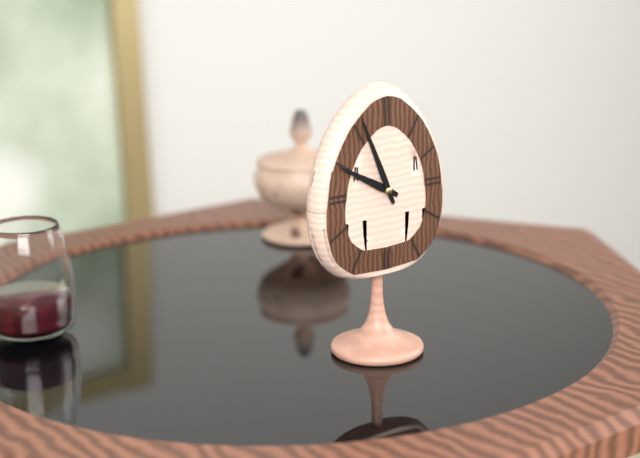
9:56
